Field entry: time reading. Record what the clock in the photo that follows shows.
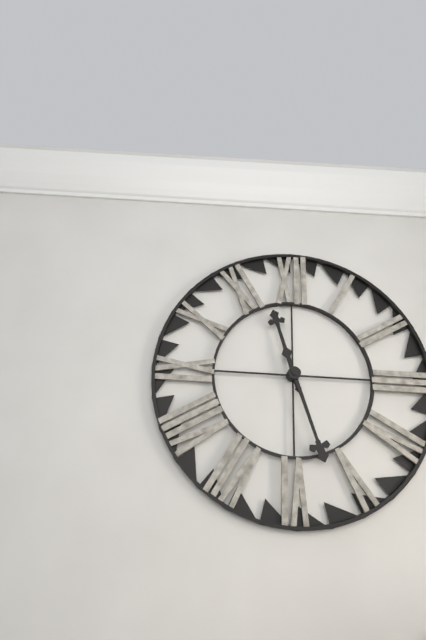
11:27
